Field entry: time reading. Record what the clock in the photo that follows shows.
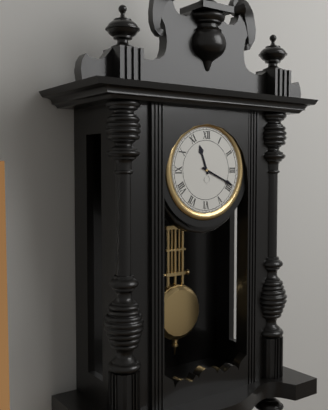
11:19
